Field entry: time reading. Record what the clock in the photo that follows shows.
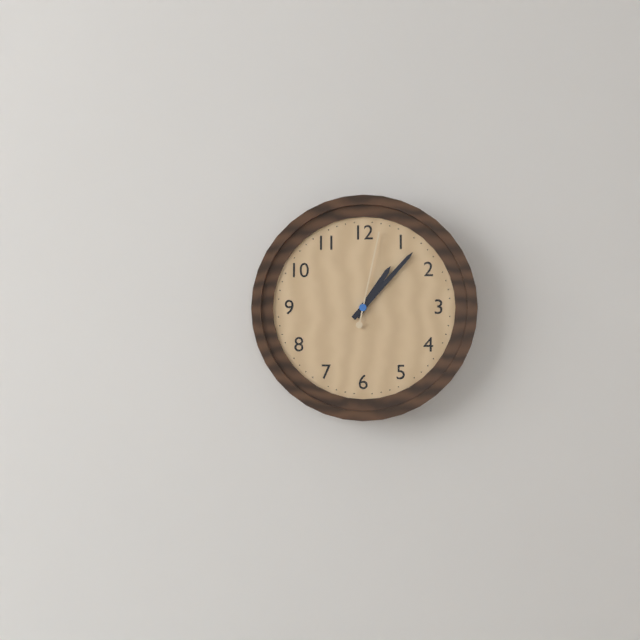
1:07:02
